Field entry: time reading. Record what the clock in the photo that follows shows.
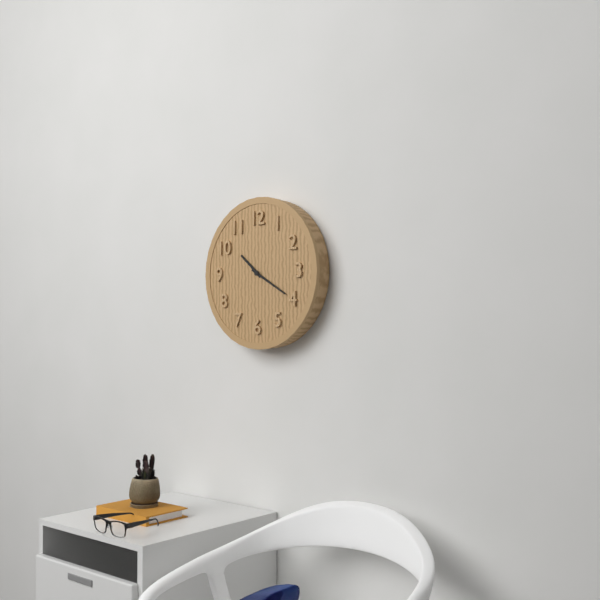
10:20
